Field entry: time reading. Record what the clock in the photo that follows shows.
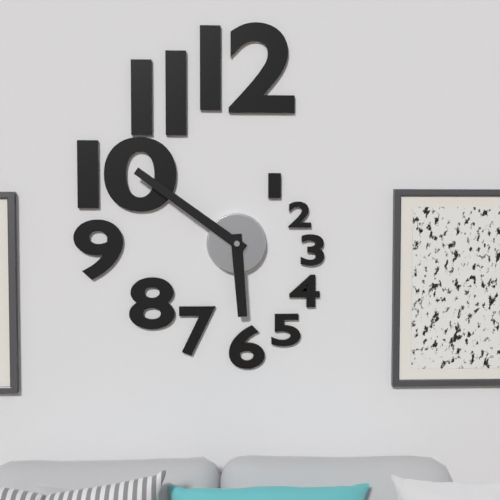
5:51
